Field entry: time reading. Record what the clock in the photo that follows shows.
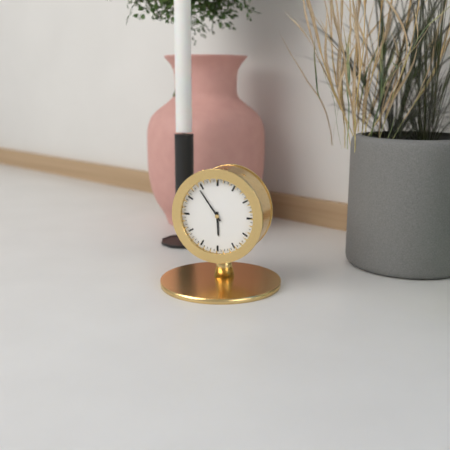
5:54
